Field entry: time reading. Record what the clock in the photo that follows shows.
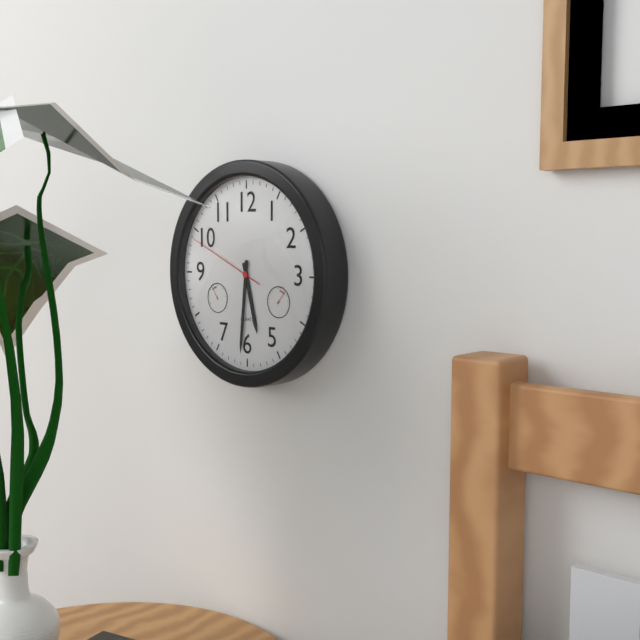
5:31:49
